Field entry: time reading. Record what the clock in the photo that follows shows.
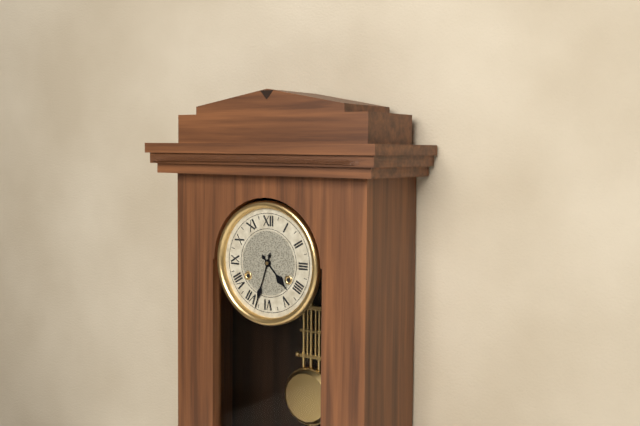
4:33
